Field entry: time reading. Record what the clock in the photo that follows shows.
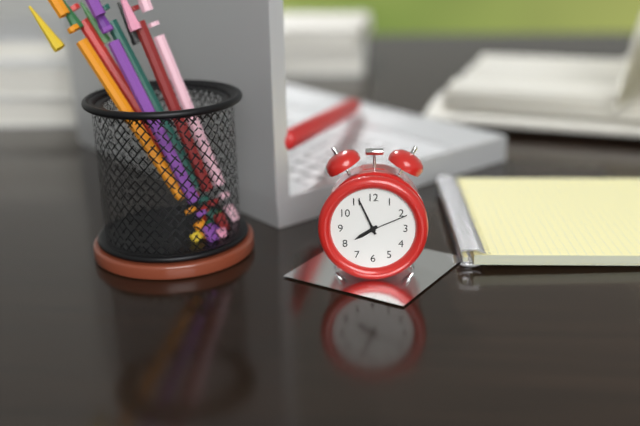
7:56
